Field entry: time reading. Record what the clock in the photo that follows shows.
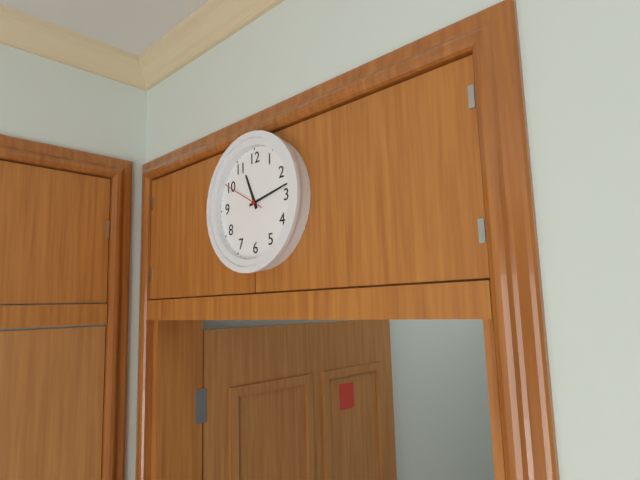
11:13
